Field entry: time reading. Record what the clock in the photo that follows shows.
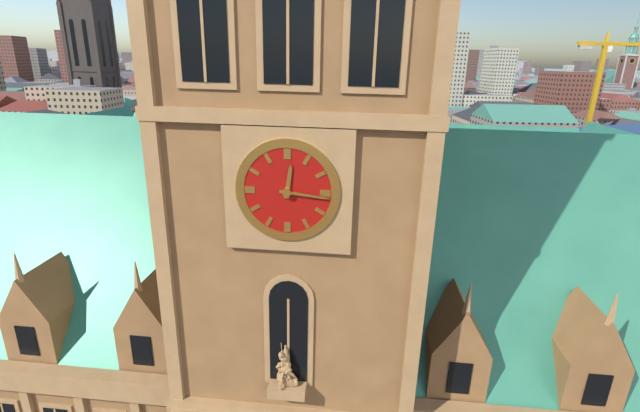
12:16
